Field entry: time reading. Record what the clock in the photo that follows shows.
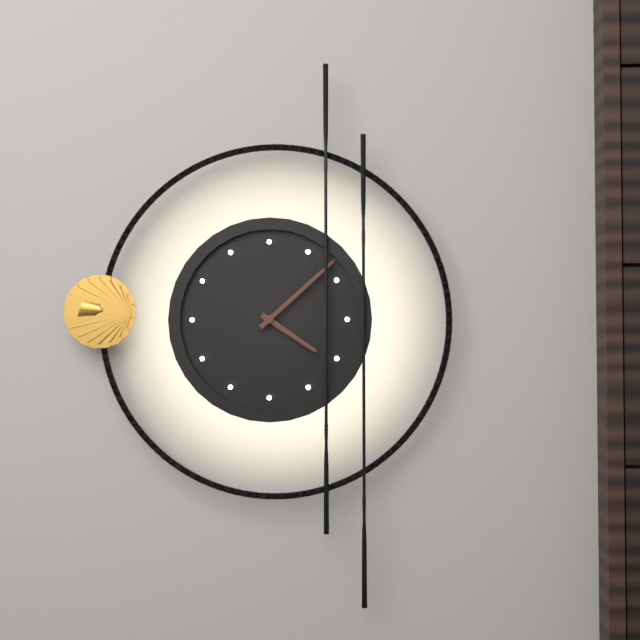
4:08
